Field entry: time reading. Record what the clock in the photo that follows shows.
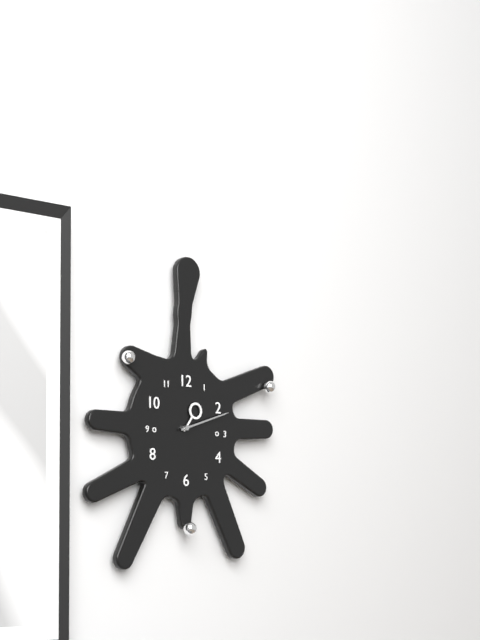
1:12
